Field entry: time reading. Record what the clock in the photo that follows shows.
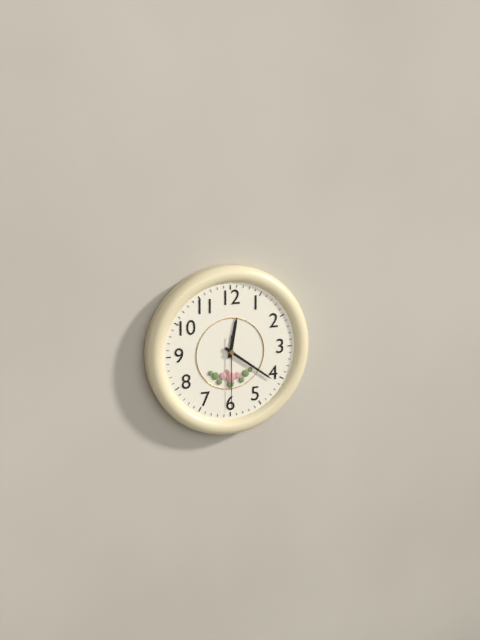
12:21:30
